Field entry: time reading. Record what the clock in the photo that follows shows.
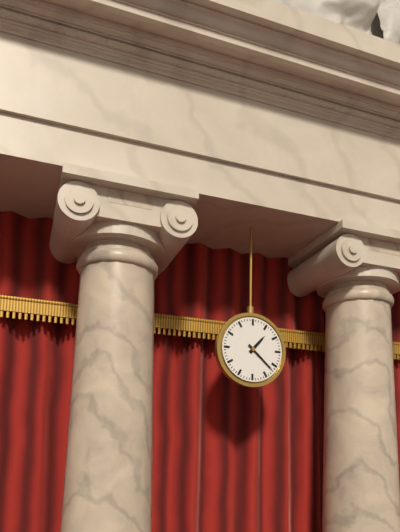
1:22
